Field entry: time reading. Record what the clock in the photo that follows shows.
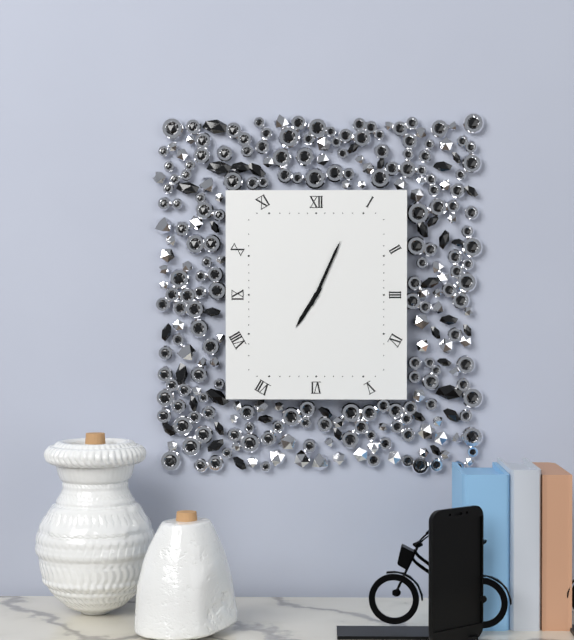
7:04
